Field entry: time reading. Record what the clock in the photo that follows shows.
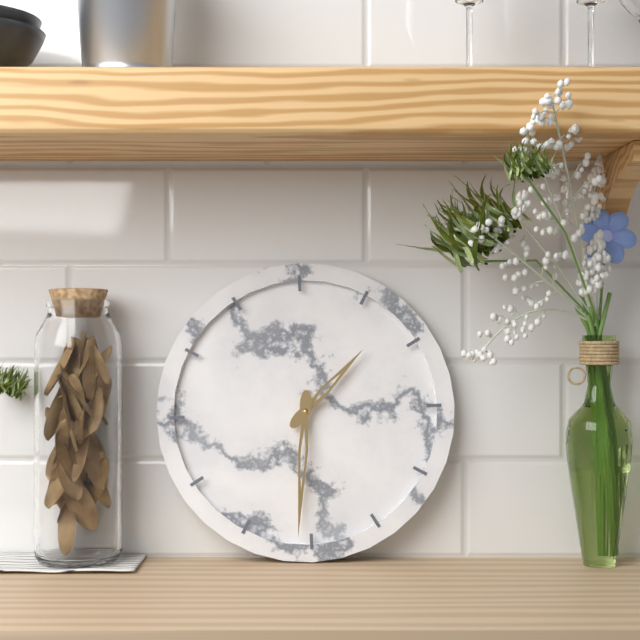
1:31
